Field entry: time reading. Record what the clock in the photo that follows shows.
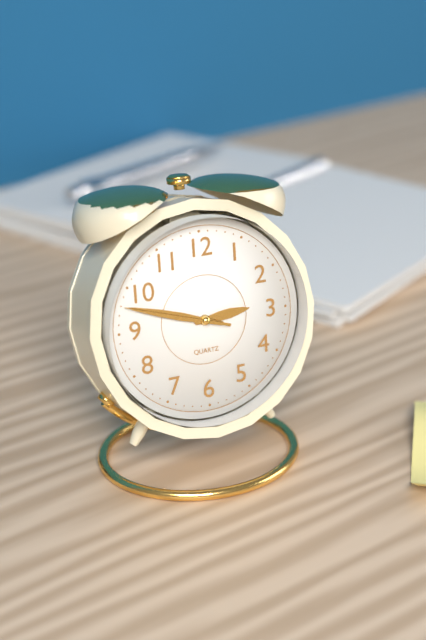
2:48:48
